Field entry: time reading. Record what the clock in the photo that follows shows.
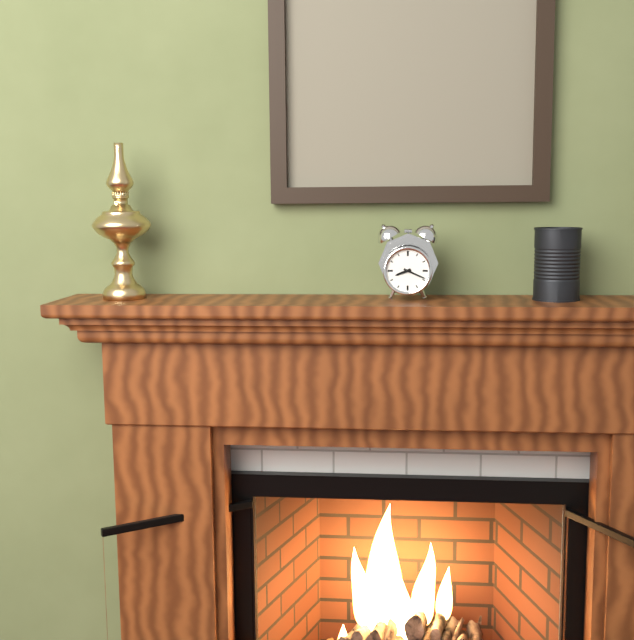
8:19
